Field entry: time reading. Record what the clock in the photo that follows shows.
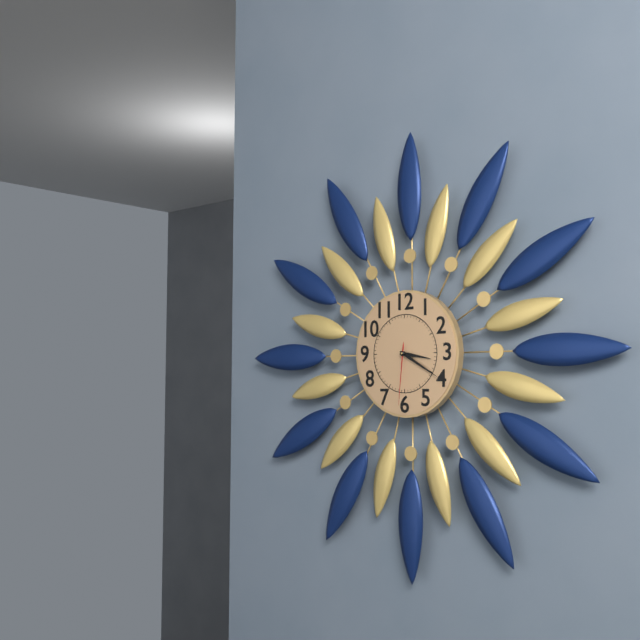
3:20:31
